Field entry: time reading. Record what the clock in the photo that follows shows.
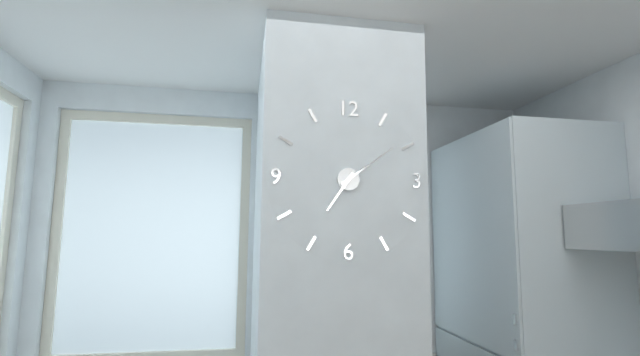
7:09
